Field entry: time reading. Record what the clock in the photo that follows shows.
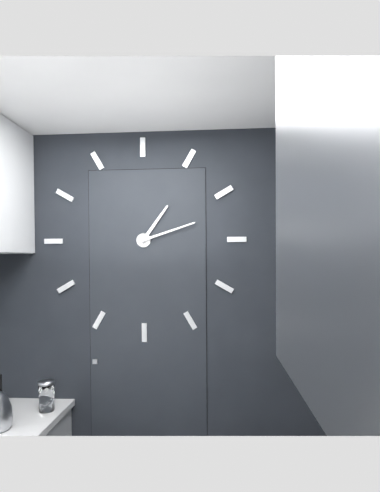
1:12
